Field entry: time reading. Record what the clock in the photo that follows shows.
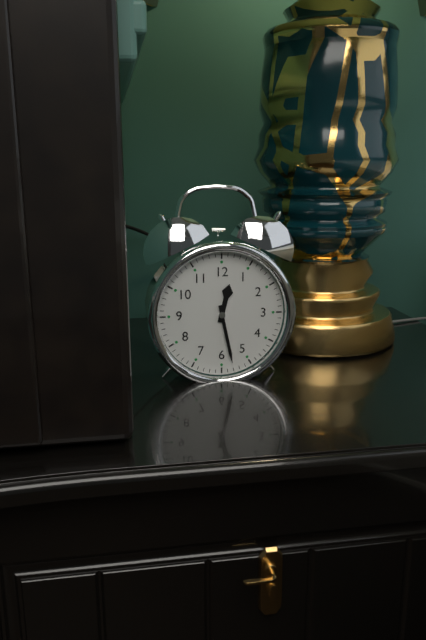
12:28
